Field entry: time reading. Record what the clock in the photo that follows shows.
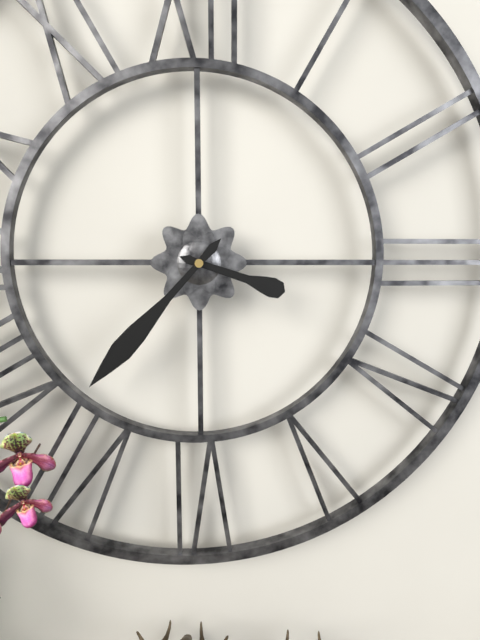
3:37
